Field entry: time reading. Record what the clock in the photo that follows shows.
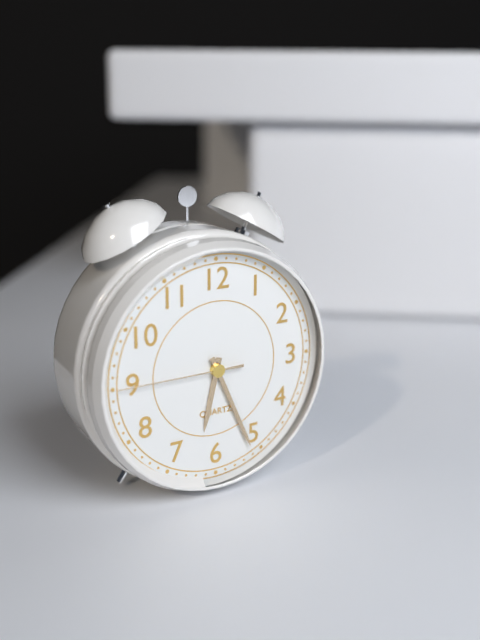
6:26:45
